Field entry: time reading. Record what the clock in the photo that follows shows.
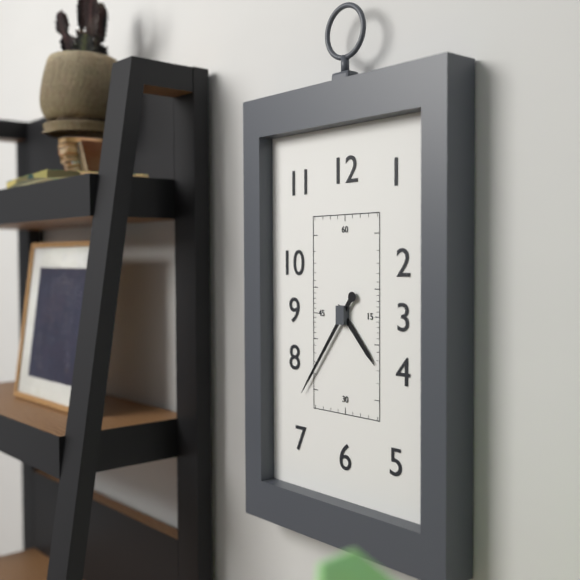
4:36
